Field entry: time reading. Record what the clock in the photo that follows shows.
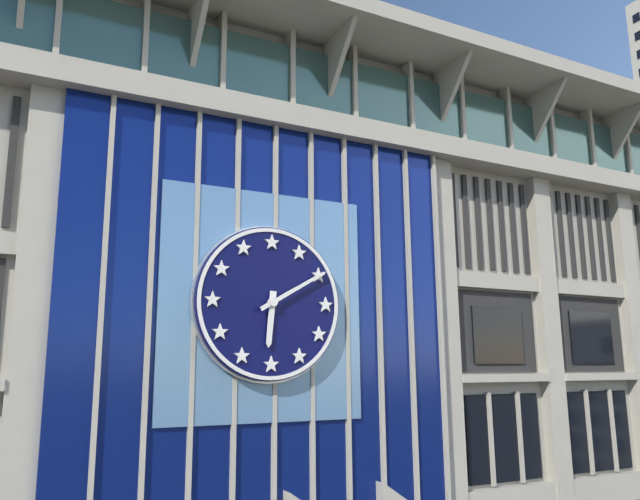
6:10
